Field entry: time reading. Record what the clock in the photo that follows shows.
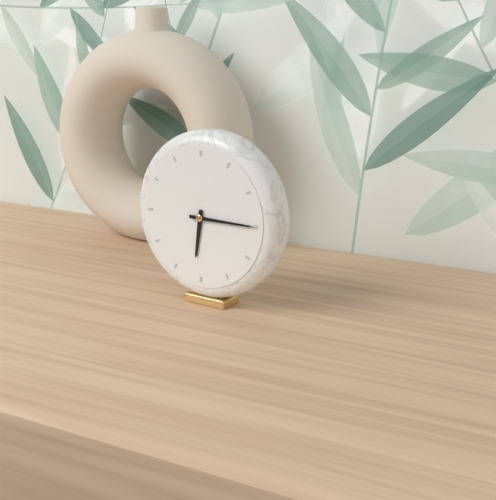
6:15
